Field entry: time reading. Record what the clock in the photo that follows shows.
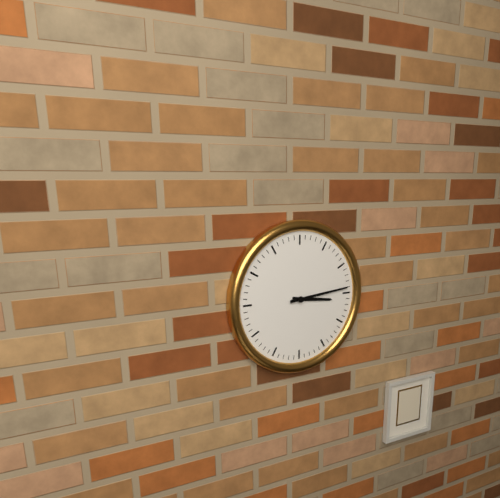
3:14
